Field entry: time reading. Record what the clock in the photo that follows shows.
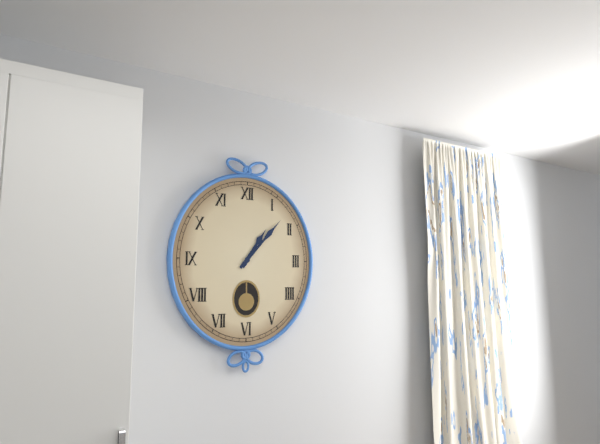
1:07
